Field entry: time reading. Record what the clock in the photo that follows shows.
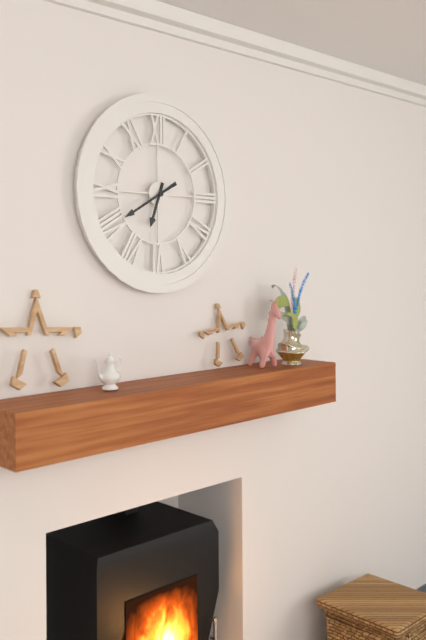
6:40
